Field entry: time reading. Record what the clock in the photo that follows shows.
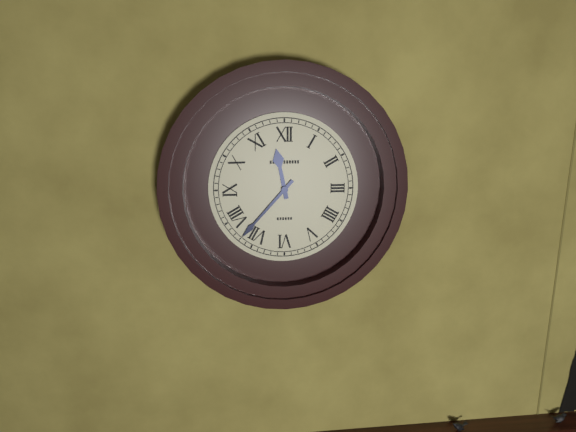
11:37
